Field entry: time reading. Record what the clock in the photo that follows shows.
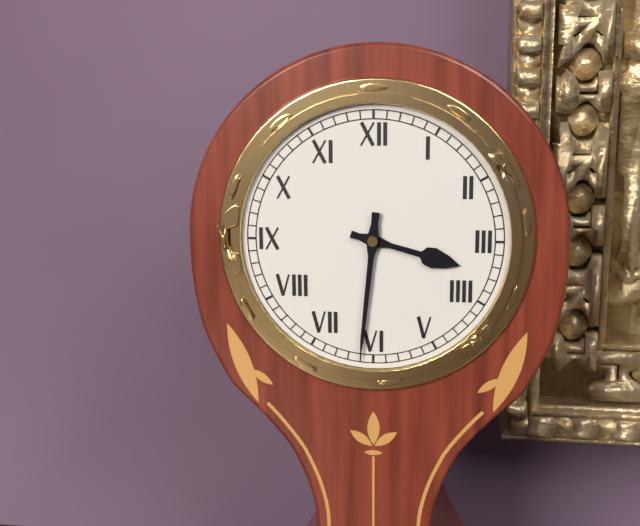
3:31
